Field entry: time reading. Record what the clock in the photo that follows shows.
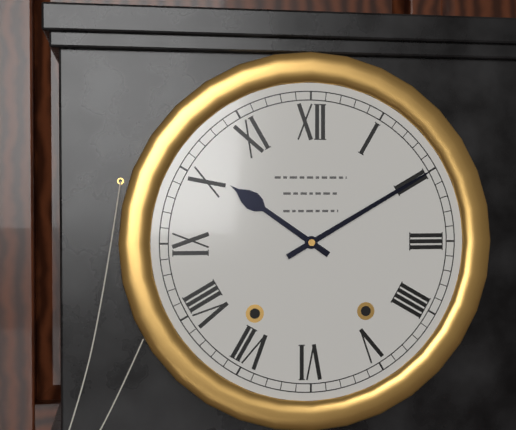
10:10
